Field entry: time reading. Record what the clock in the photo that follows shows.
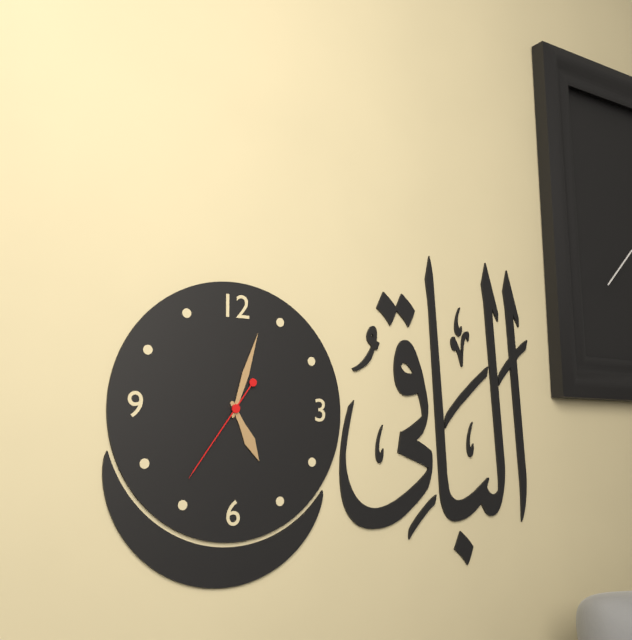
5:03:36
